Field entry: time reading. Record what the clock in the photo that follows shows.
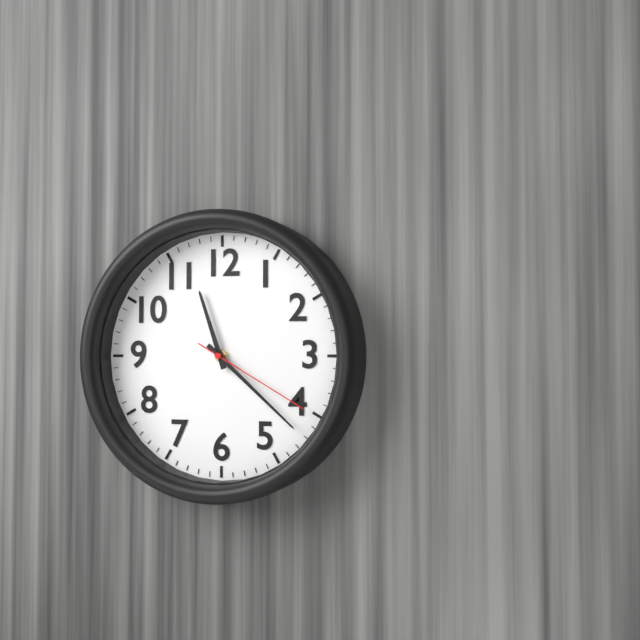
11:22:20
